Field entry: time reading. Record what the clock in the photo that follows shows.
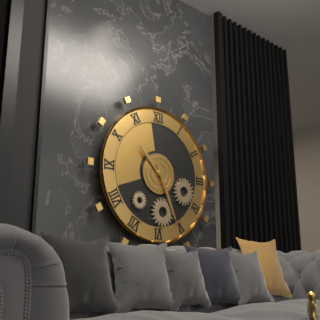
10:26
